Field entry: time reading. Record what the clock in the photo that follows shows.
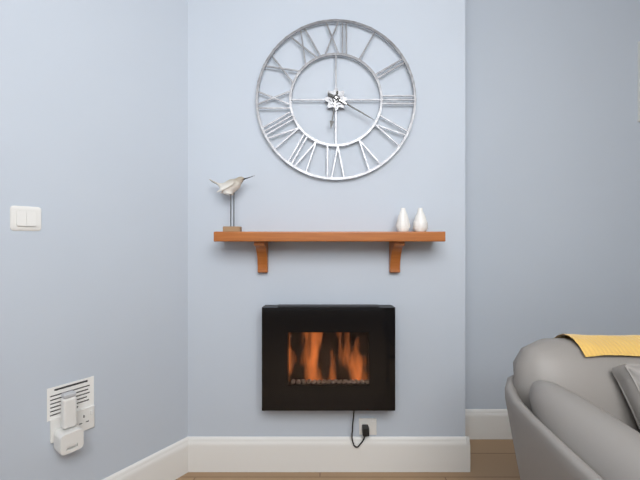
6:20
